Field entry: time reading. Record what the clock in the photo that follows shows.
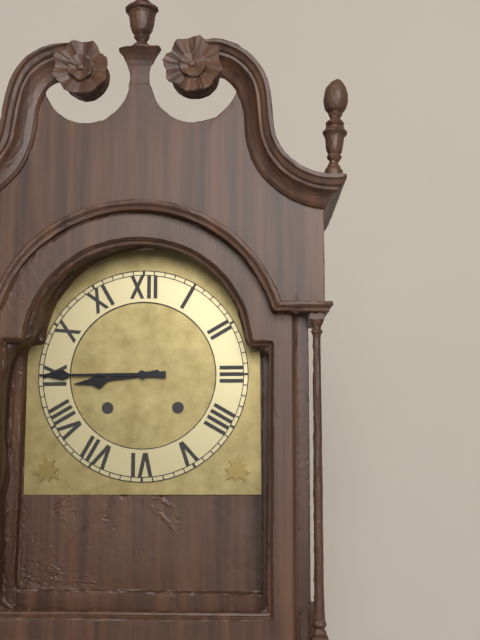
8:45
